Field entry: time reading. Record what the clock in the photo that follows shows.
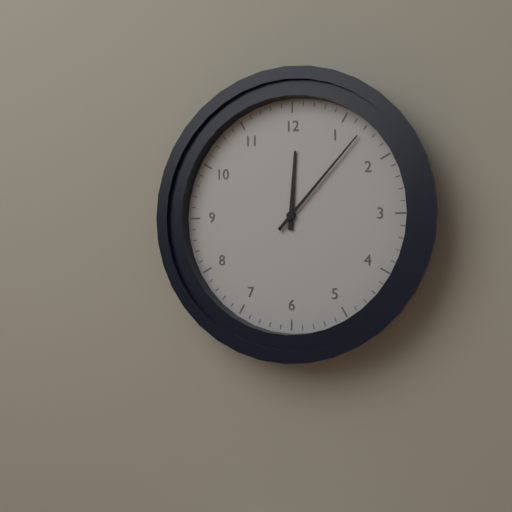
12:07
